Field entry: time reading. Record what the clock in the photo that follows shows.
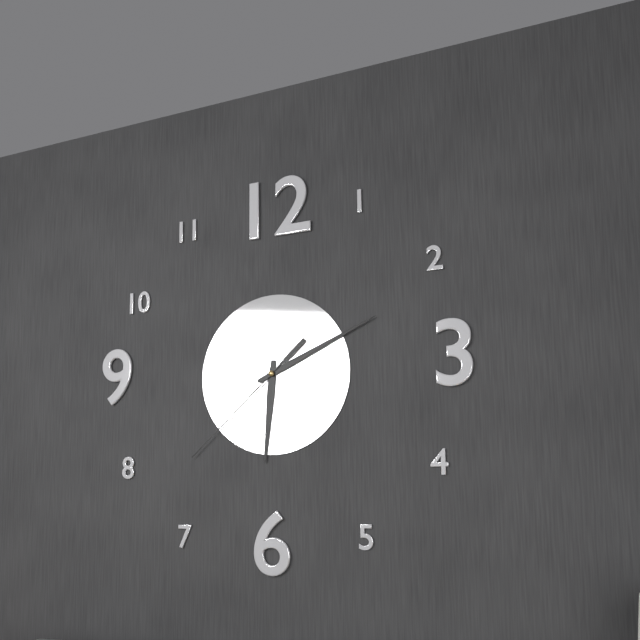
6:11:38
